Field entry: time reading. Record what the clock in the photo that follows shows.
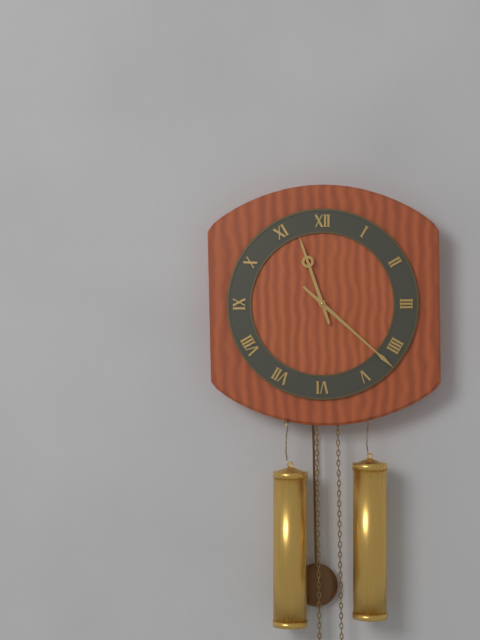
11:22
